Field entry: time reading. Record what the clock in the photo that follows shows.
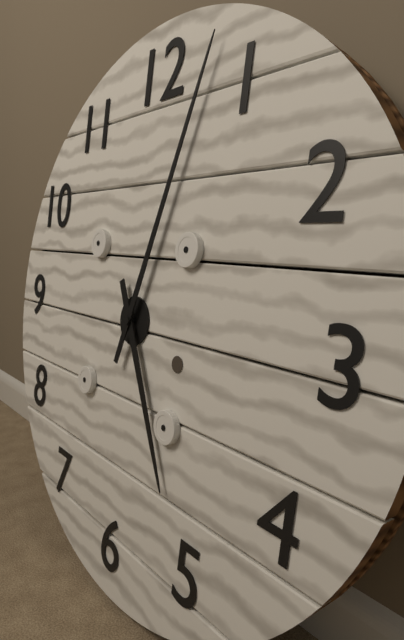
5:03
